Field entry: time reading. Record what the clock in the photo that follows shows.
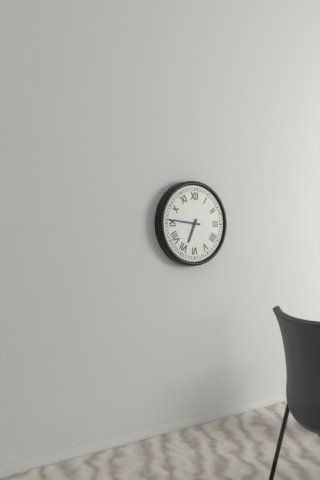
6:46
